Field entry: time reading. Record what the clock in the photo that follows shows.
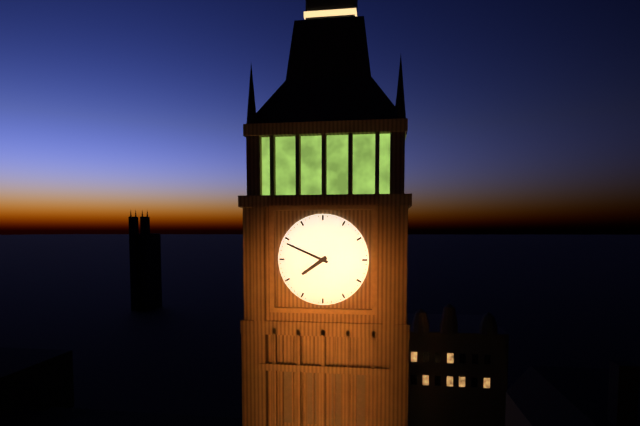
7:49
